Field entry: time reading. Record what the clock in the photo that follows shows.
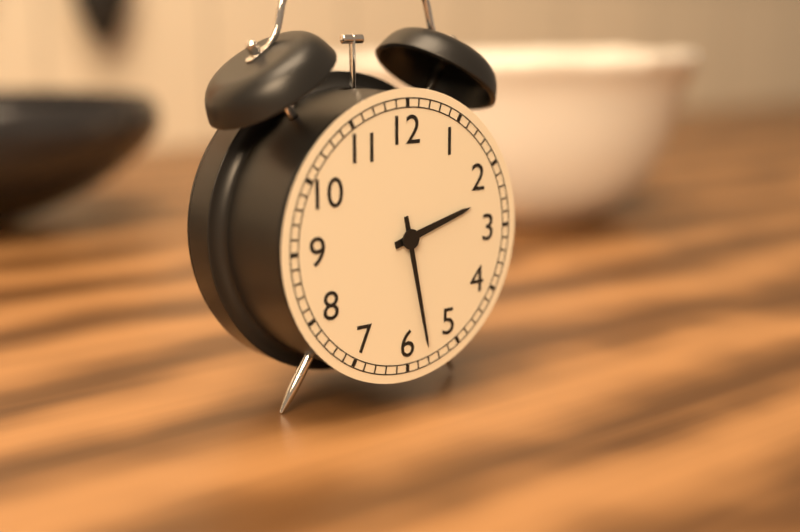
2:28
